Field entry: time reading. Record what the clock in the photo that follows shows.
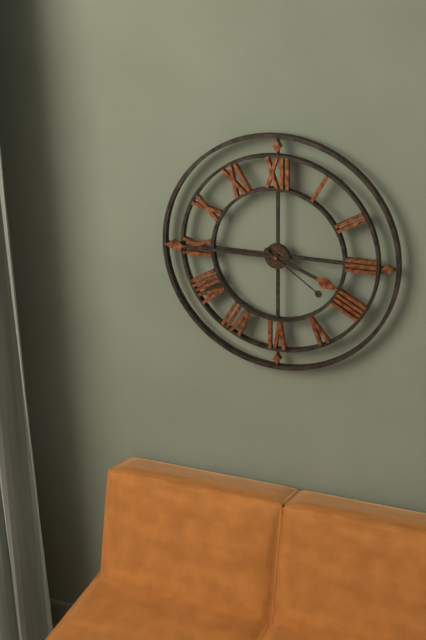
3:45:21
